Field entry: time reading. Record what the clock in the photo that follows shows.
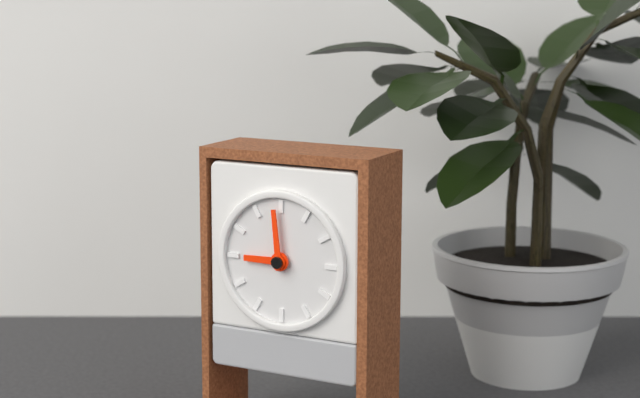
8:59
